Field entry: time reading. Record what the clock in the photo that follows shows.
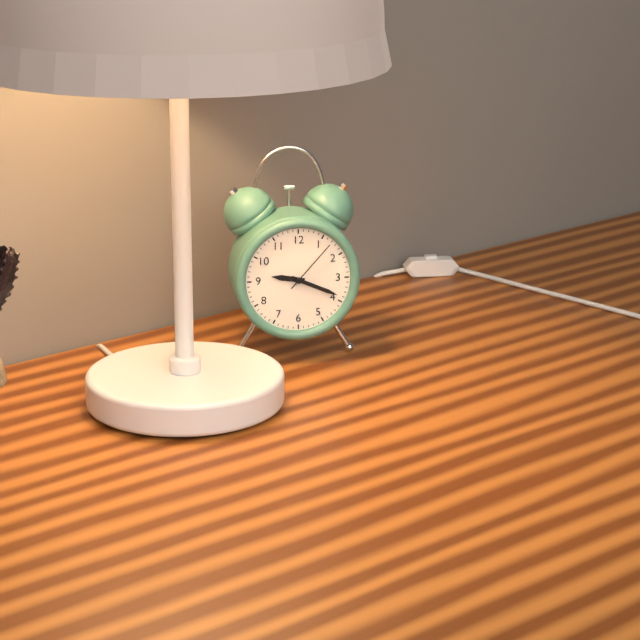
9:19:07
